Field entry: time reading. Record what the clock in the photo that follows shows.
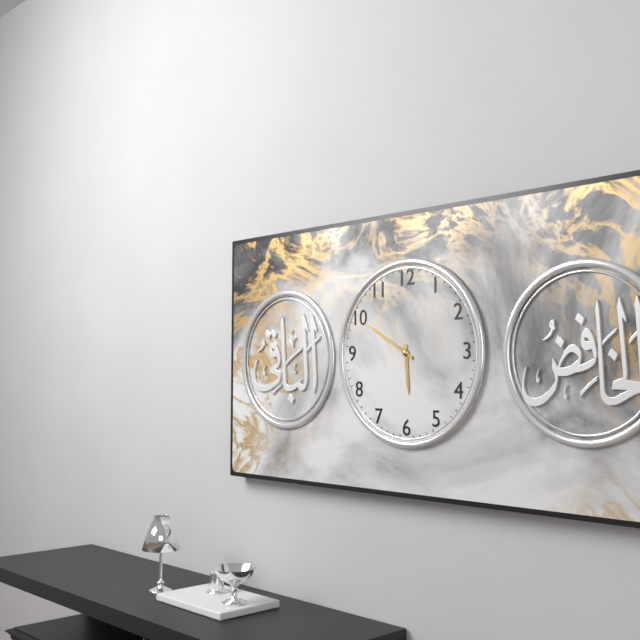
5:50
